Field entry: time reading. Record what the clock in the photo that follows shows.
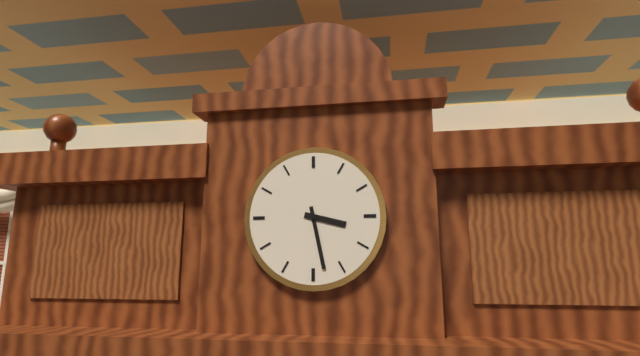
3:28
